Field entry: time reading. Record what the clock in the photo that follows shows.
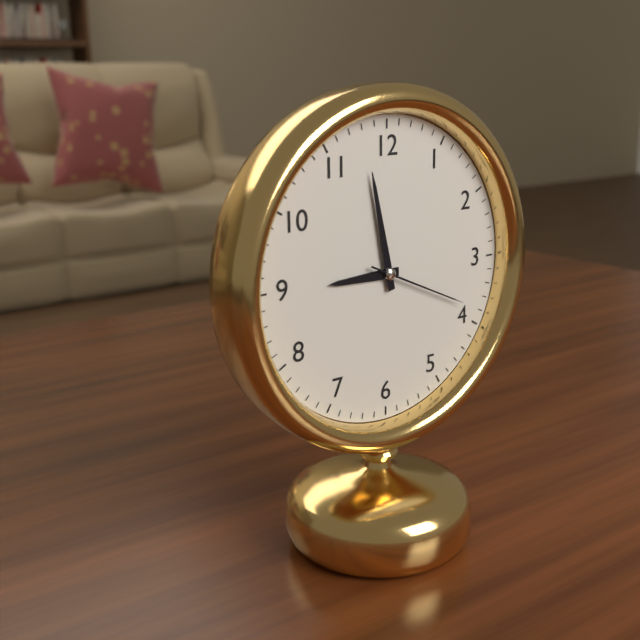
8:58:19
